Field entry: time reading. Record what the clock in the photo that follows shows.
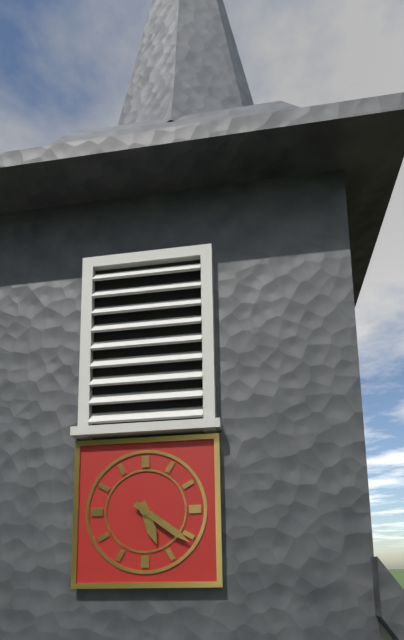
5:21
